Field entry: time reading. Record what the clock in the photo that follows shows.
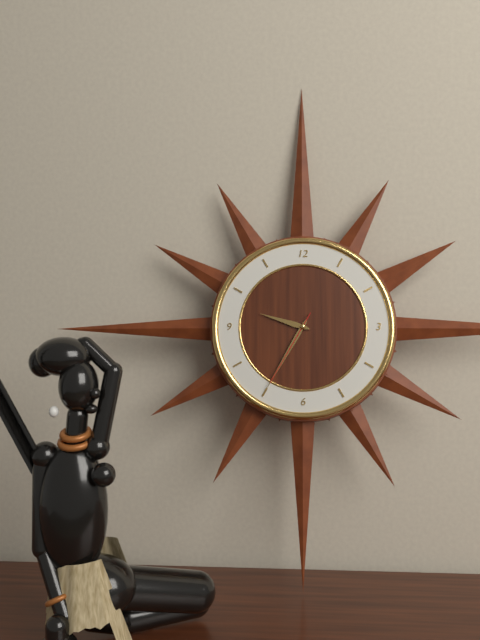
9:35:35
